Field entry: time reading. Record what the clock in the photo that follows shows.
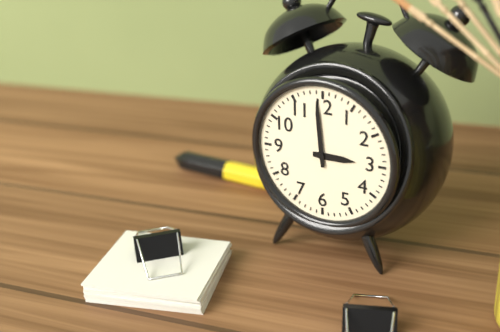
2:59
